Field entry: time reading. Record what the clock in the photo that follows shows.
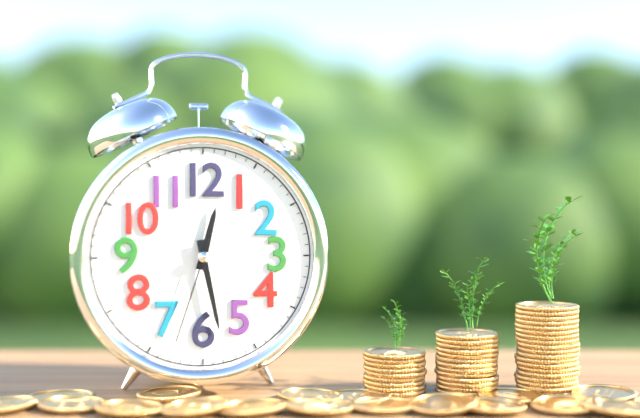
12:28:33
